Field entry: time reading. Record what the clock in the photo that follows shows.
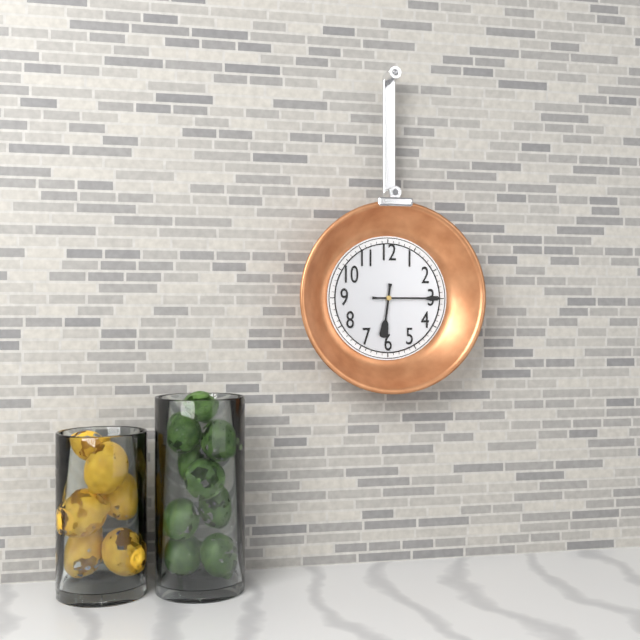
6:15
